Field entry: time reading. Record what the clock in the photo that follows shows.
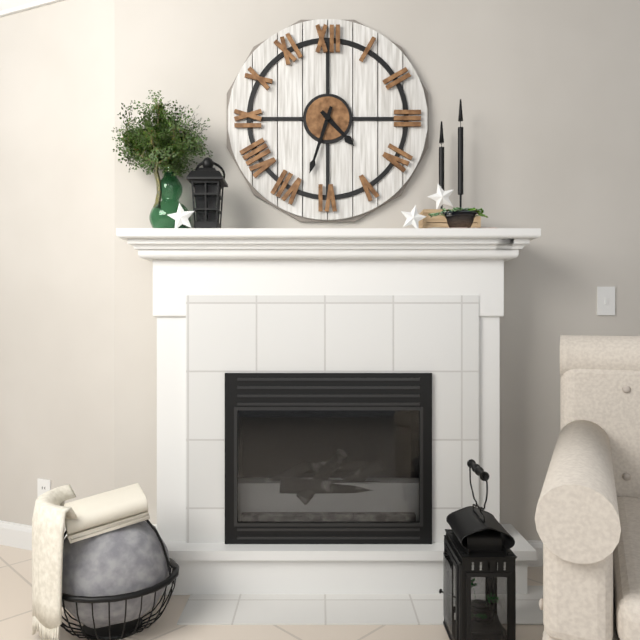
4:33
